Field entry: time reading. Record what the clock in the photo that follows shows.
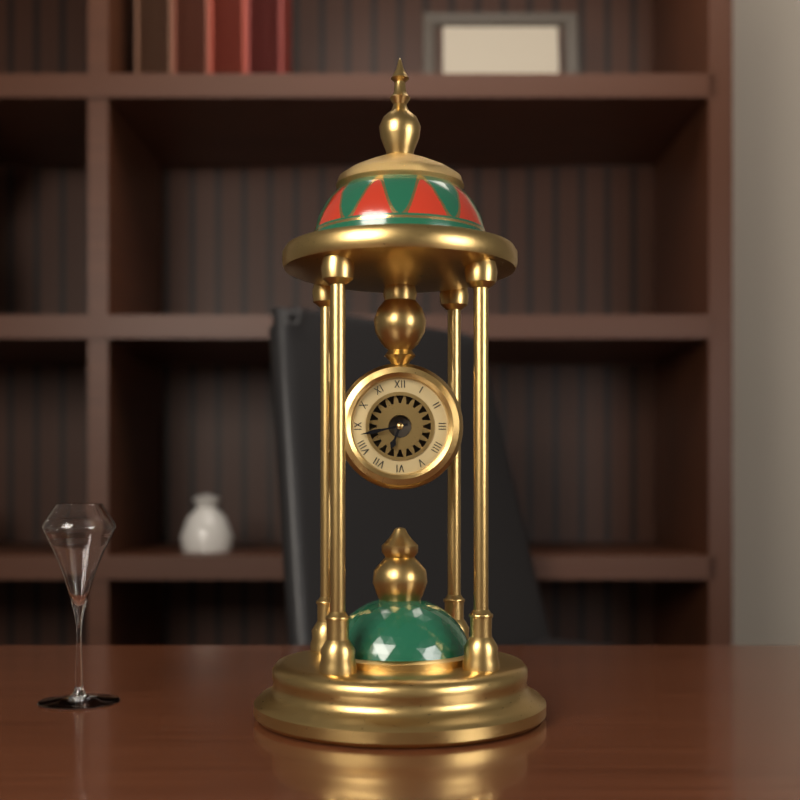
6:43
